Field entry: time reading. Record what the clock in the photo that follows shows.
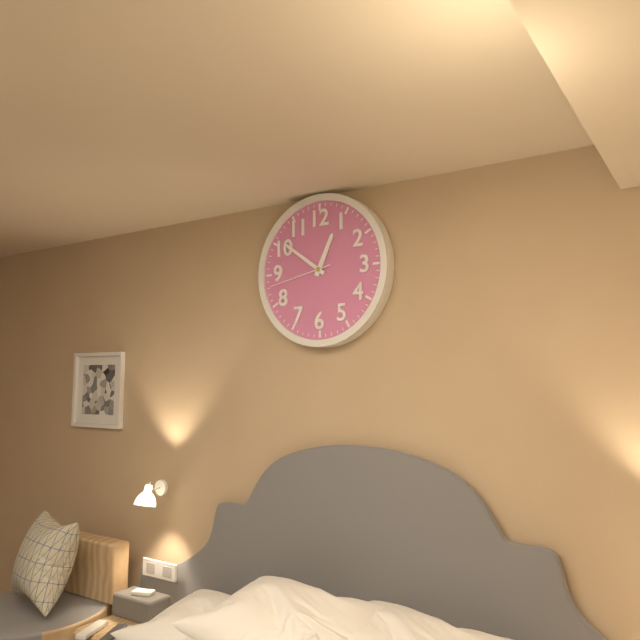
12:51:43
